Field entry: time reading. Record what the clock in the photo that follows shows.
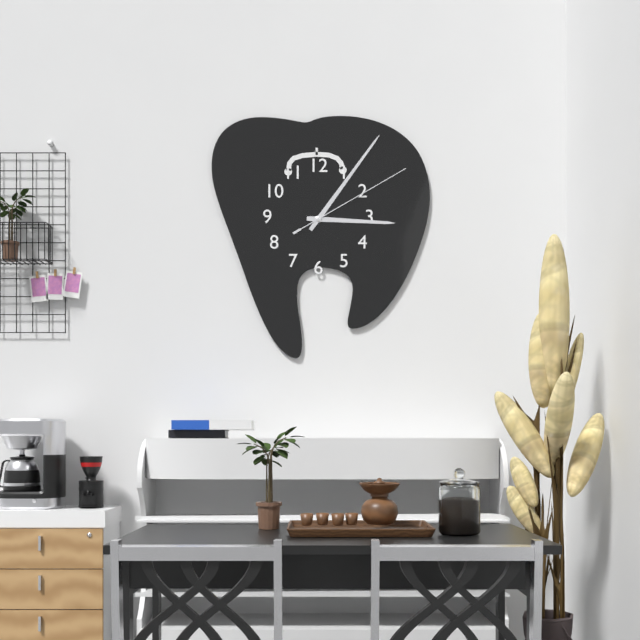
3:06:10
